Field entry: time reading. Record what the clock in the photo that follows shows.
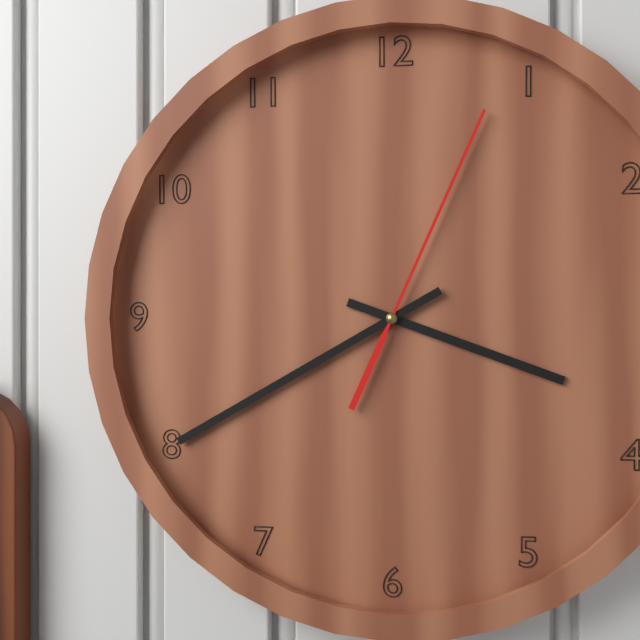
3:40:04
